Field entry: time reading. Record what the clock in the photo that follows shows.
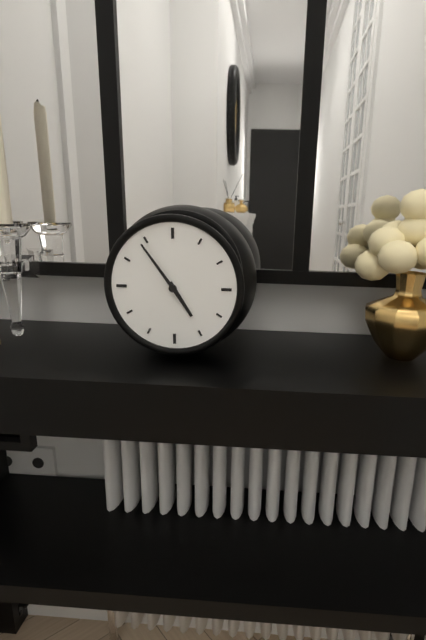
4:54
